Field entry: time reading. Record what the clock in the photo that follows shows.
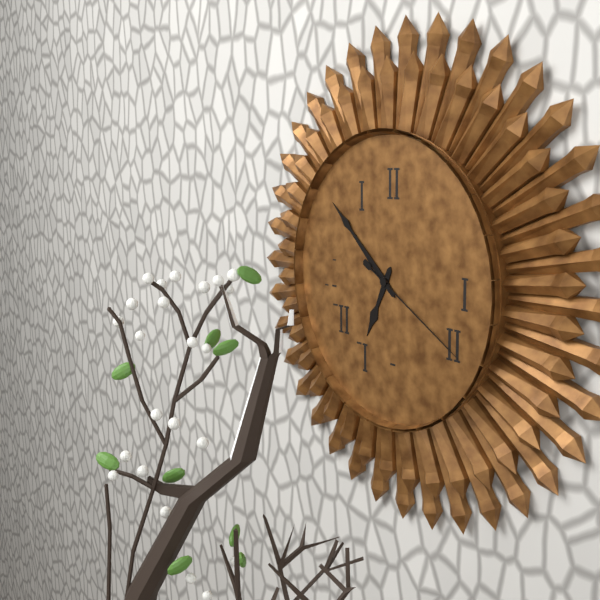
6:52:20
